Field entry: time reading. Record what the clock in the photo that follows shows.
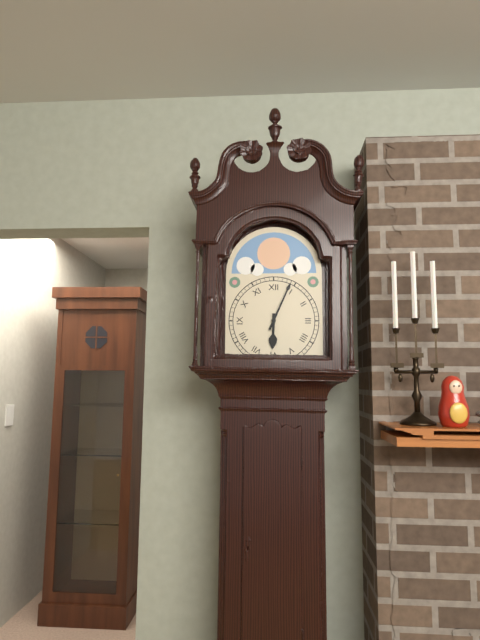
6:04
